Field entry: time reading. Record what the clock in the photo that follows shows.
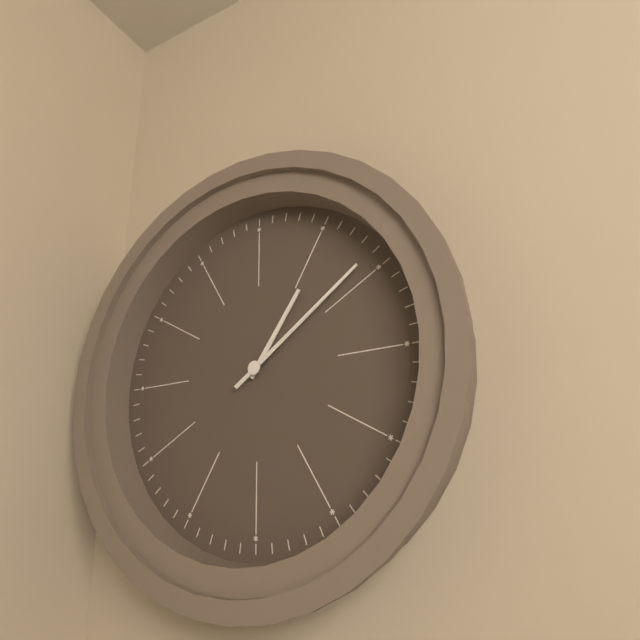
1:09
